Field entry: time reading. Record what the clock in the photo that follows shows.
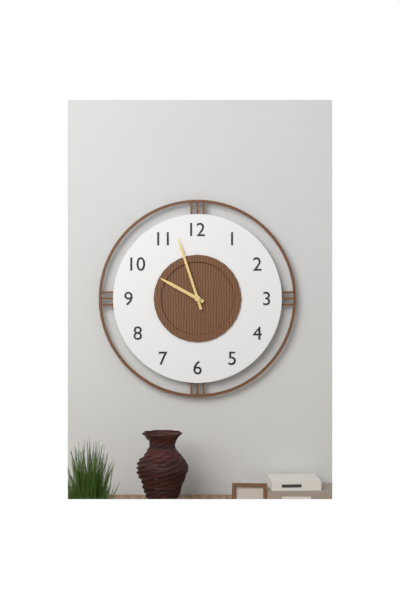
9:57
